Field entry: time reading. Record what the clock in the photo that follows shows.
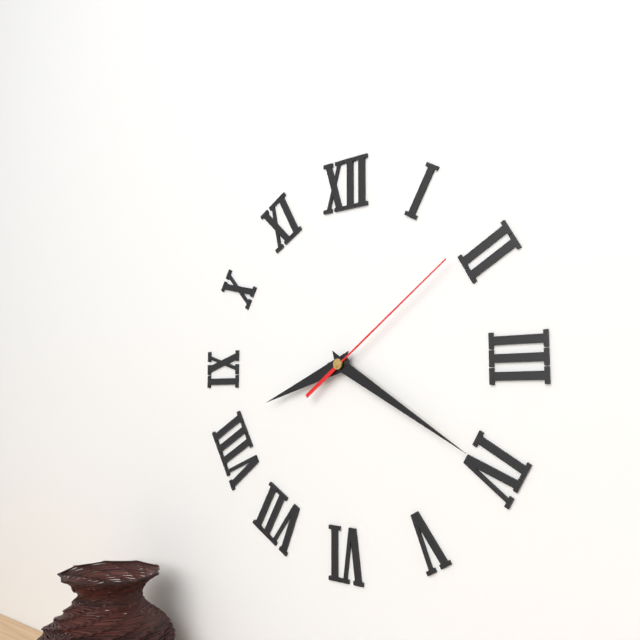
8:20:09
